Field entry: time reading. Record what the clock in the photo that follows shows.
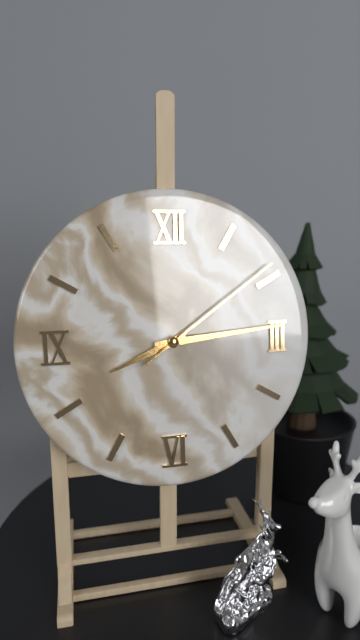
8:14:09
